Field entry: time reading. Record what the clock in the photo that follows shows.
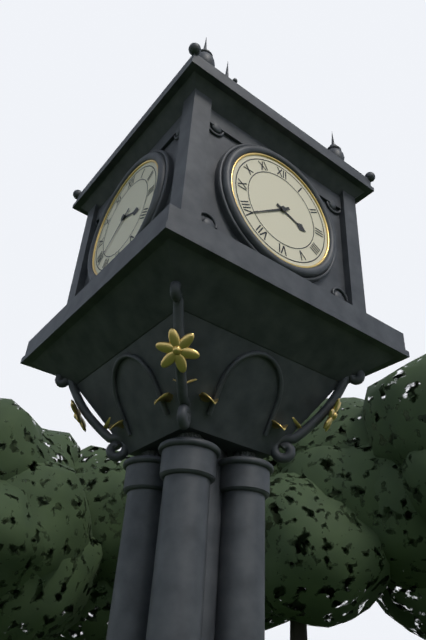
3:39
